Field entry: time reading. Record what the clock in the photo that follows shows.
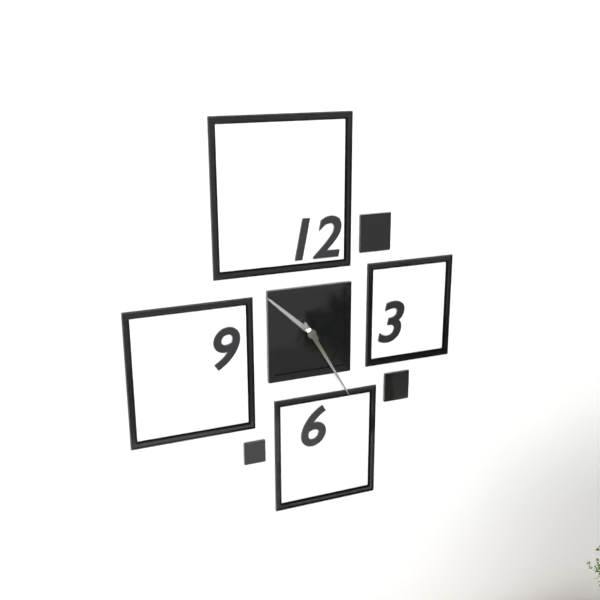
10:25
